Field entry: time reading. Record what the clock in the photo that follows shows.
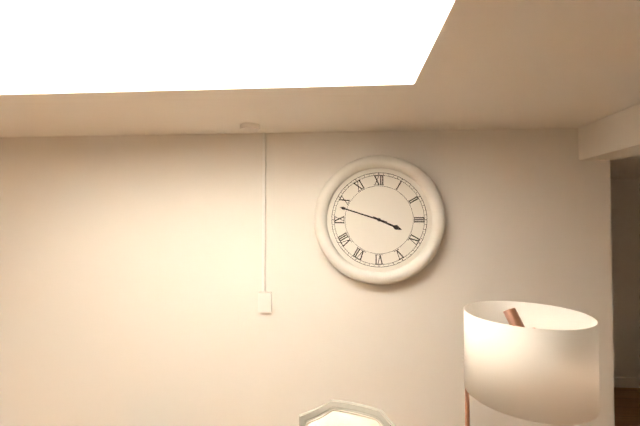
3:48
